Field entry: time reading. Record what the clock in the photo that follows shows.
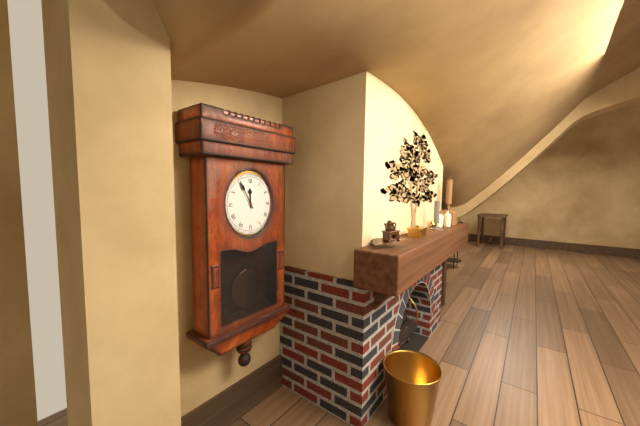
11:55
